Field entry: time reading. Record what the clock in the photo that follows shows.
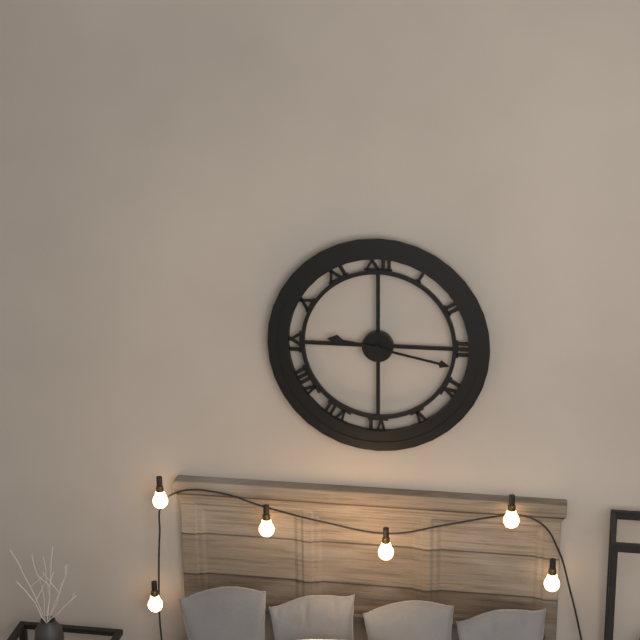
9:17
